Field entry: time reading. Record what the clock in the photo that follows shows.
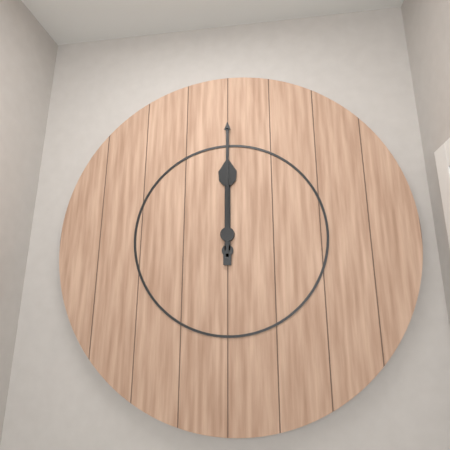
12:00
